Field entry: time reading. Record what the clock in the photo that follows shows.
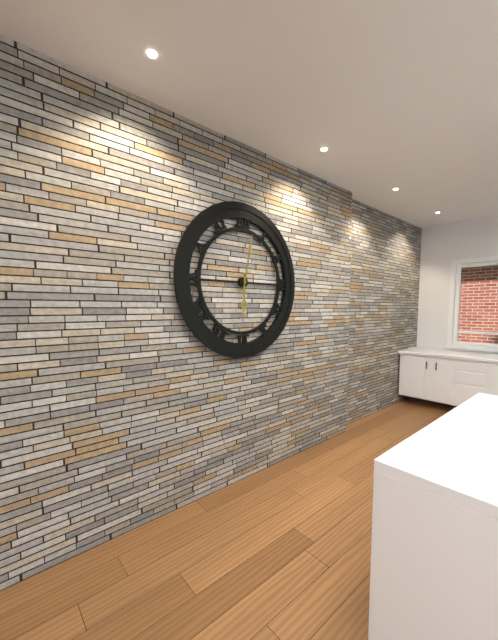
6:02
